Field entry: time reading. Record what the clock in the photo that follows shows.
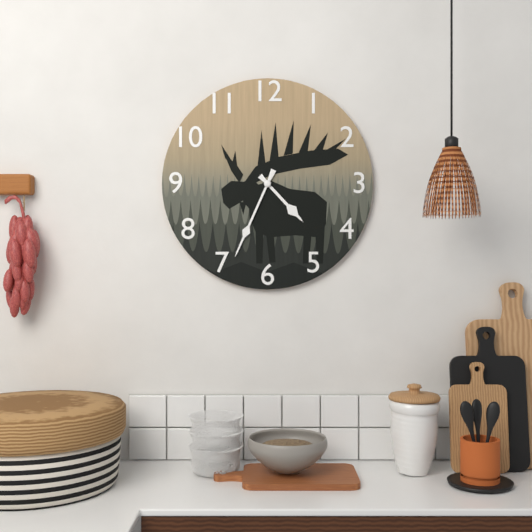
4:34
